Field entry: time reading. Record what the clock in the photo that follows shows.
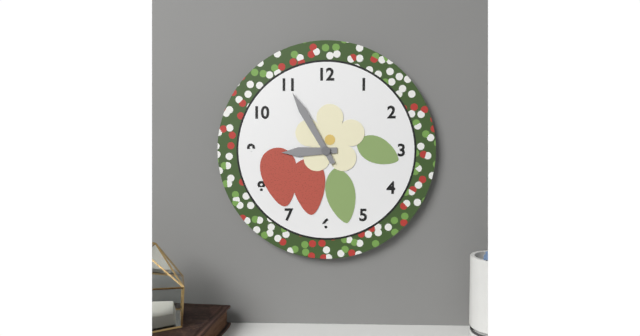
8:55
